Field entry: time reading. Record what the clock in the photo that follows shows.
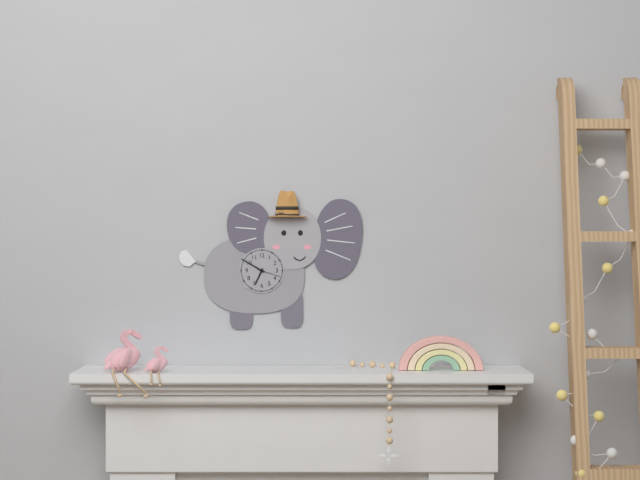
6:50
